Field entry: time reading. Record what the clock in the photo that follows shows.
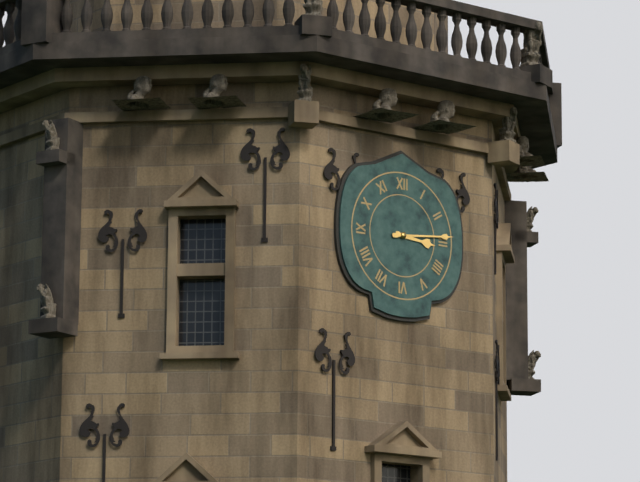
3:14
